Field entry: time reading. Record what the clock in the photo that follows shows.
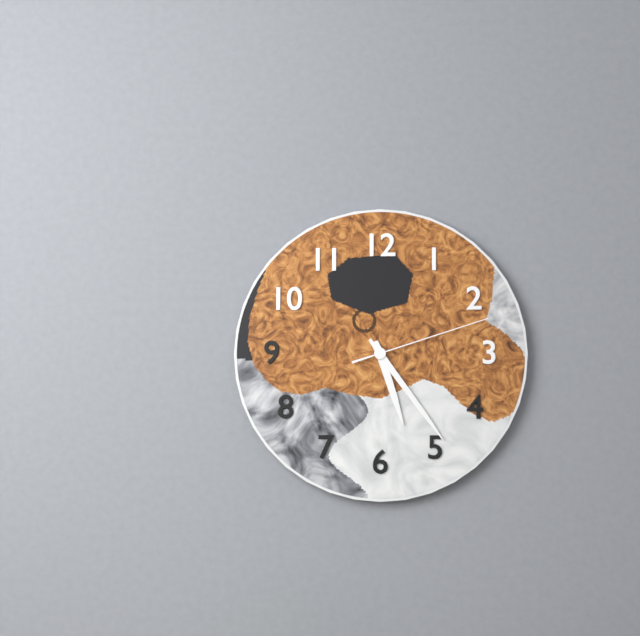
5:24:12
